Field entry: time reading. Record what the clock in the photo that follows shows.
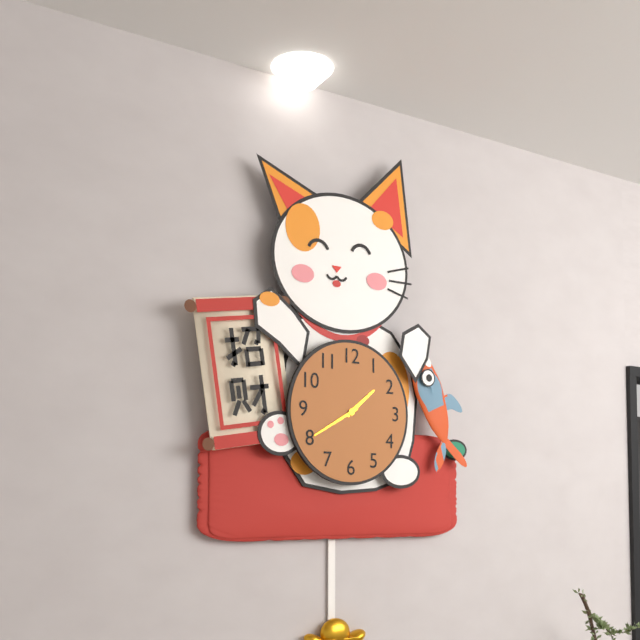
1:40
